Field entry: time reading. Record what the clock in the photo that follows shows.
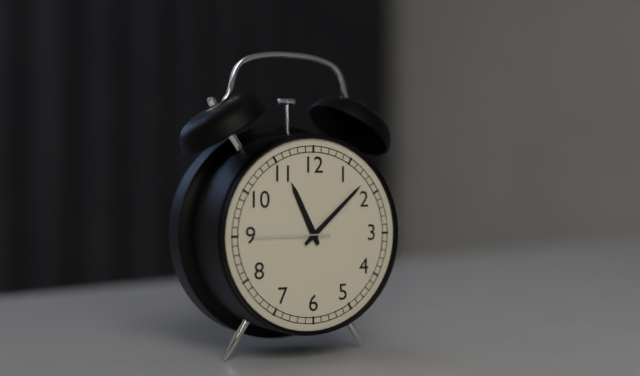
11:08:45
